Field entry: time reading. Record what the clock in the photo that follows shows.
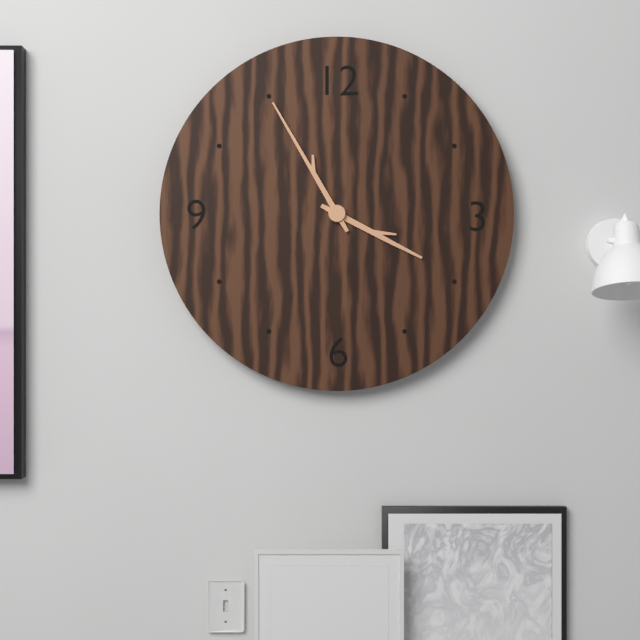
3:55
